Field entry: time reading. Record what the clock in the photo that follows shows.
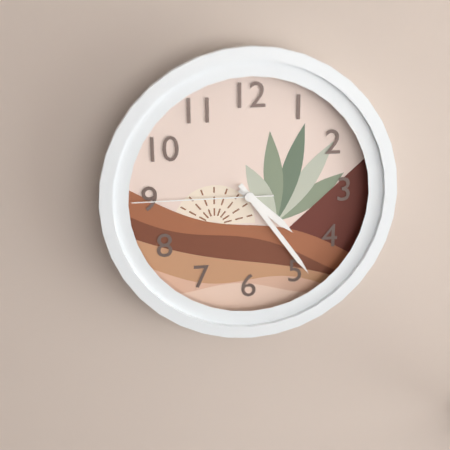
4:24:45
